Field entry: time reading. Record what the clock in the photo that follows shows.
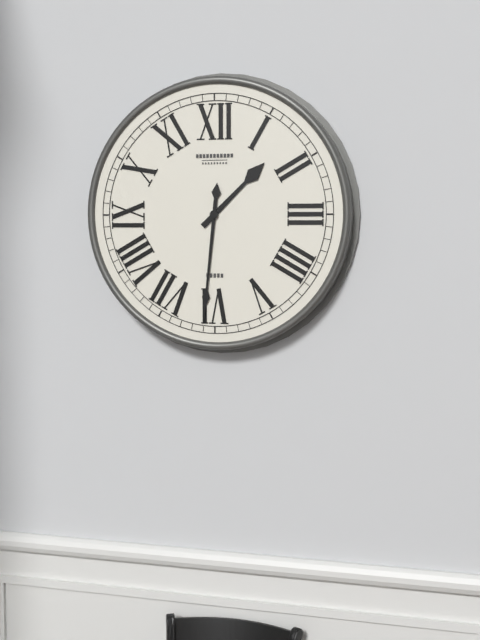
1:31
